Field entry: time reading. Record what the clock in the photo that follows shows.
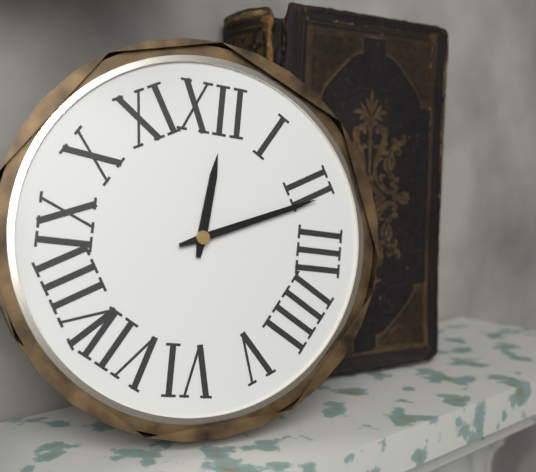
12:11
